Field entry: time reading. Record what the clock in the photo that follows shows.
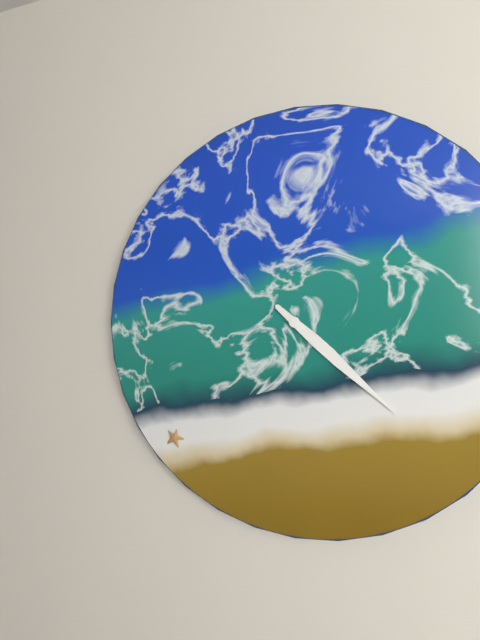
4:22
